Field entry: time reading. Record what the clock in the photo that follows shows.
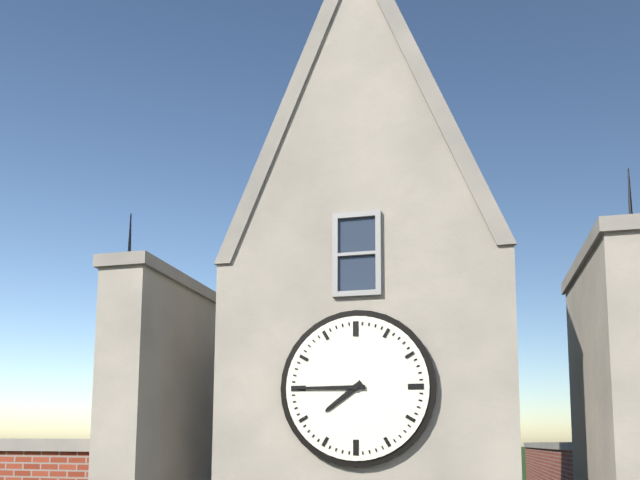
7:45
